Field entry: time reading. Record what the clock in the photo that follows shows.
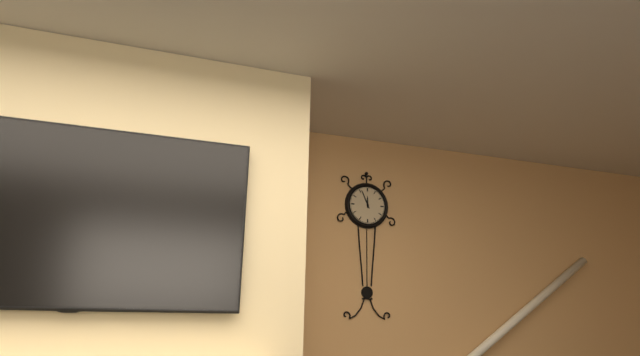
11:56
